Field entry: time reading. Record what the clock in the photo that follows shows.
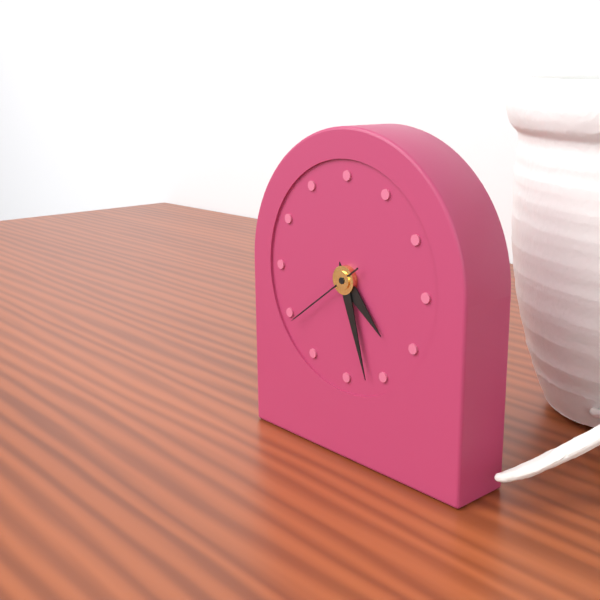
4:27:39
